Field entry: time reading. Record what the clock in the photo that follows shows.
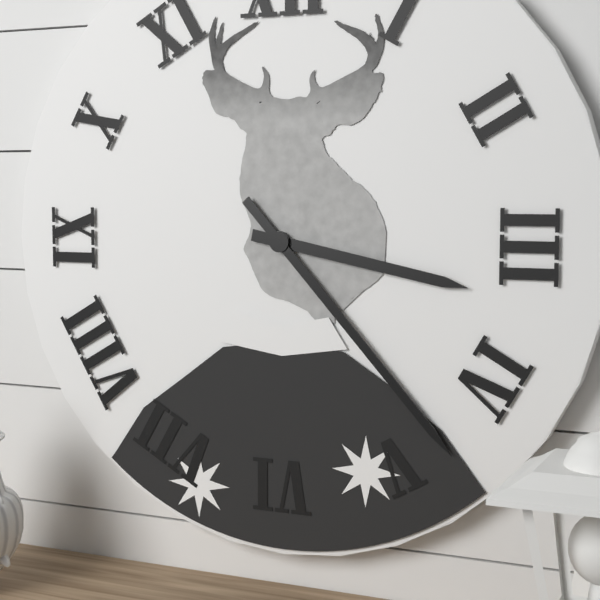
3:23
